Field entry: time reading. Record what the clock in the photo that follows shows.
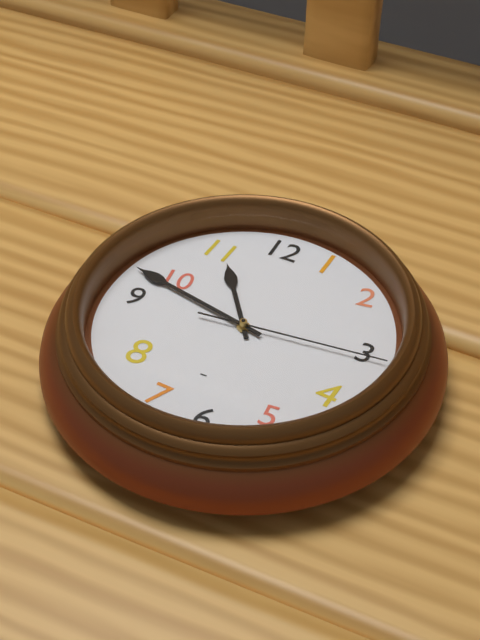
10:47:14
